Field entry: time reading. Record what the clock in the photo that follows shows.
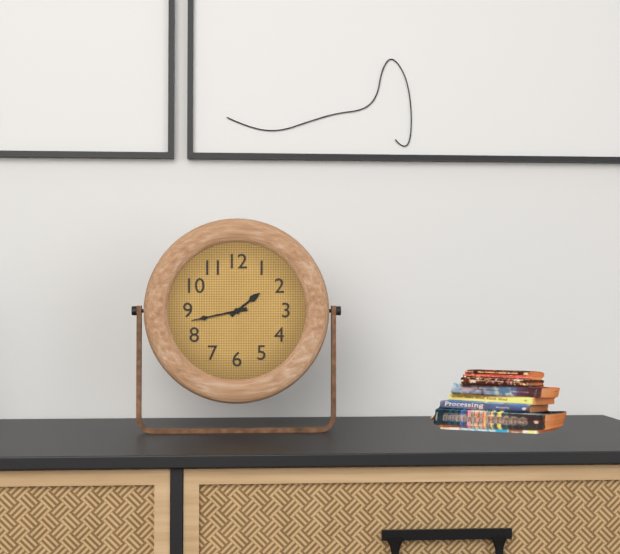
1:43
